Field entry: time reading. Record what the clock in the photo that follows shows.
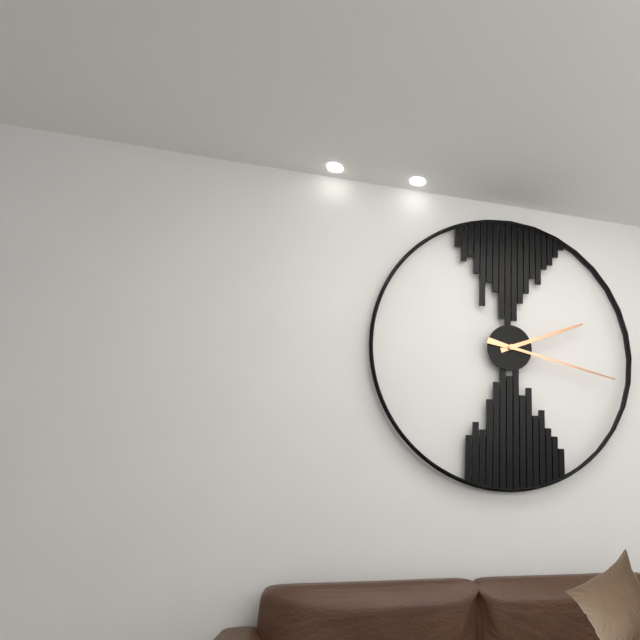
2:17
